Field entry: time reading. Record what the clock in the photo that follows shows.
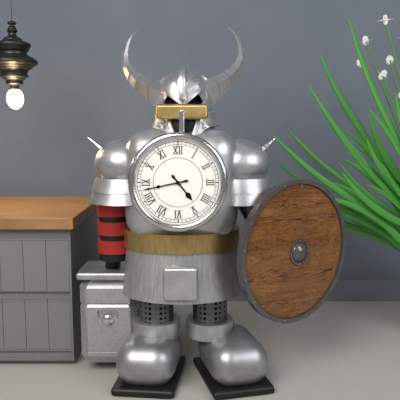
4:43
